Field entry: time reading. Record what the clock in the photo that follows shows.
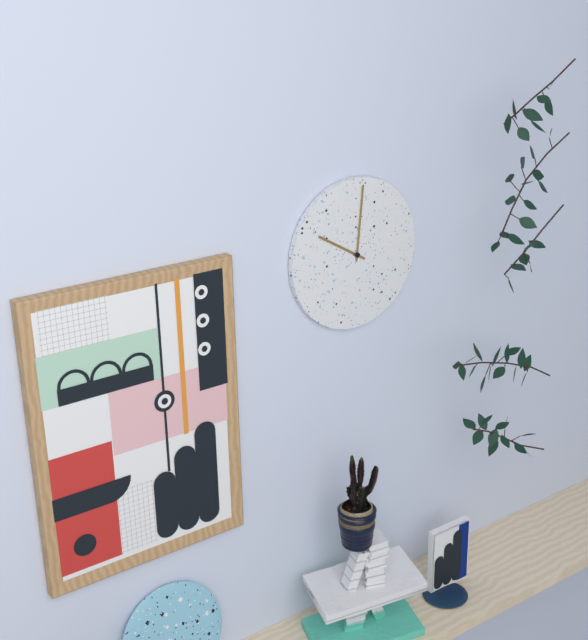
10:01
